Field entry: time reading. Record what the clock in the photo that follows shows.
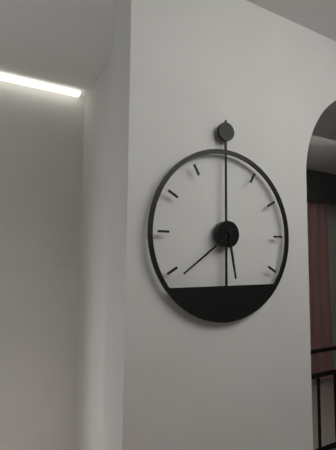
5:39
